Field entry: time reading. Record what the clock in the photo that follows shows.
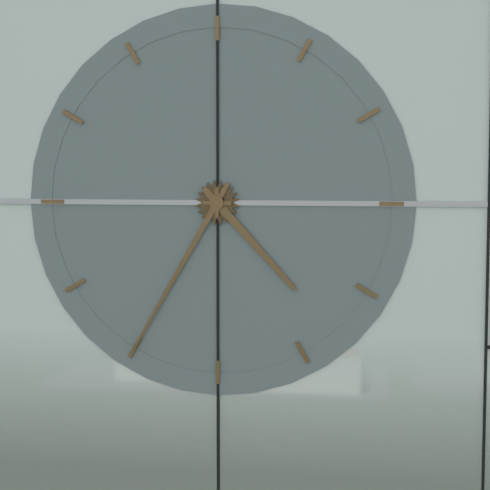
4:35
